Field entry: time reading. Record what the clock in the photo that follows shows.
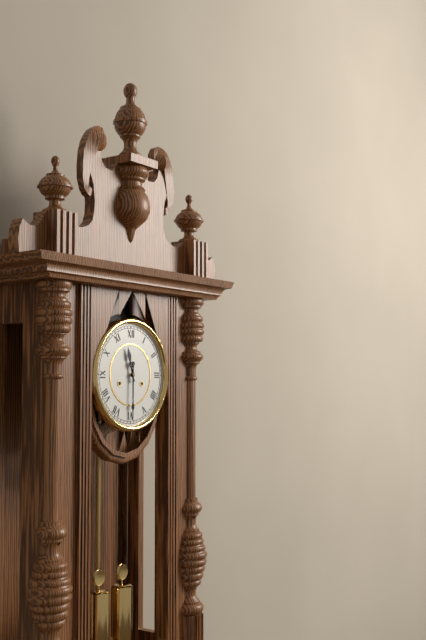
11:30
